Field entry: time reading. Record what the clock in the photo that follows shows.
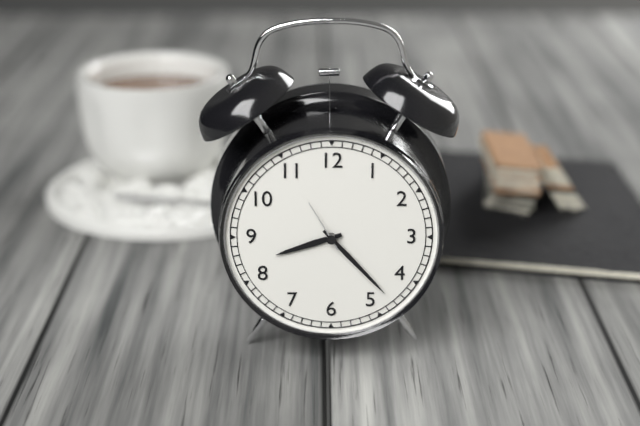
8:23:55
